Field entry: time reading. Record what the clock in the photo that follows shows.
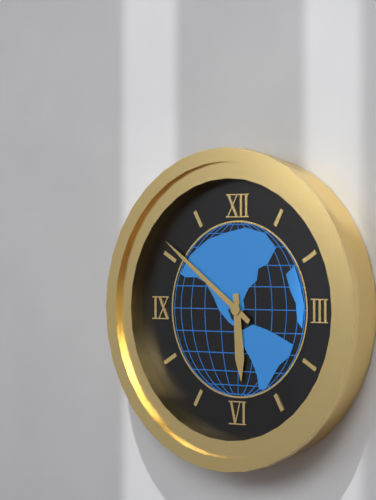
5:51
